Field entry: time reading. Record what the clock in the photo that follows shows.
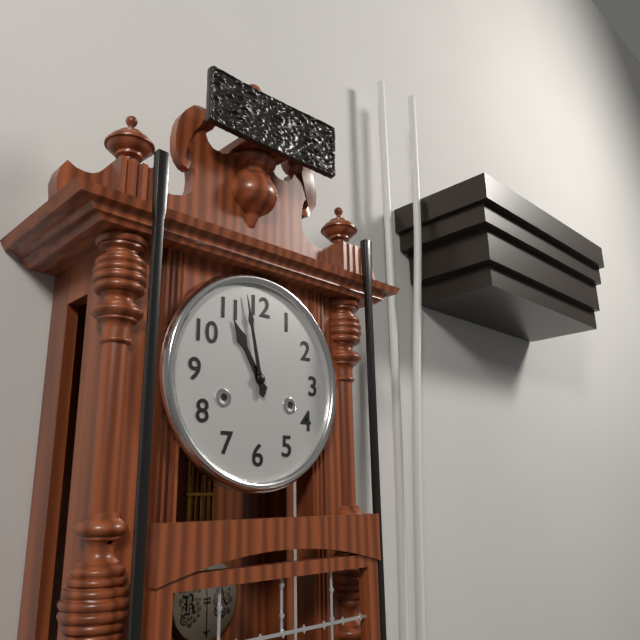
10:58
